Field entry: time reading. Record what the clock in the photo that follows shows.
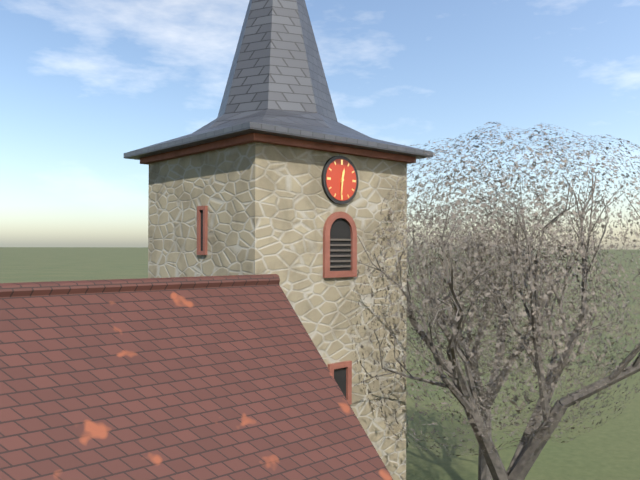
12:31
